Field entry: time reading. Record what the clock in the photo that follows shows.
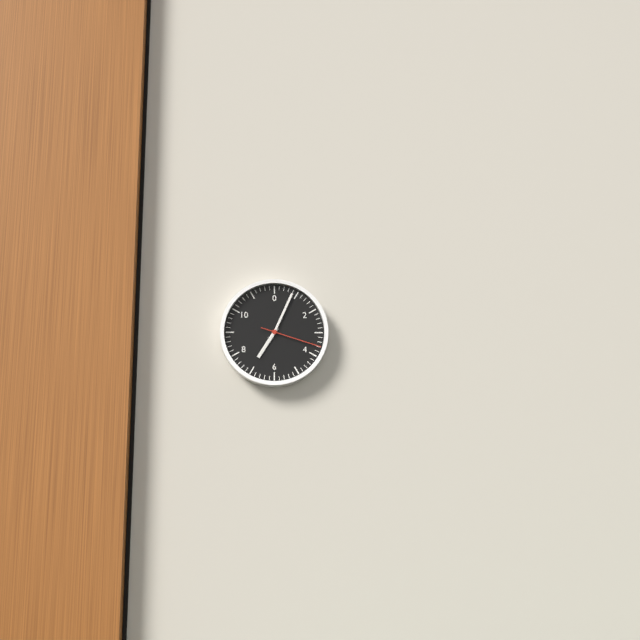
7:04:18
